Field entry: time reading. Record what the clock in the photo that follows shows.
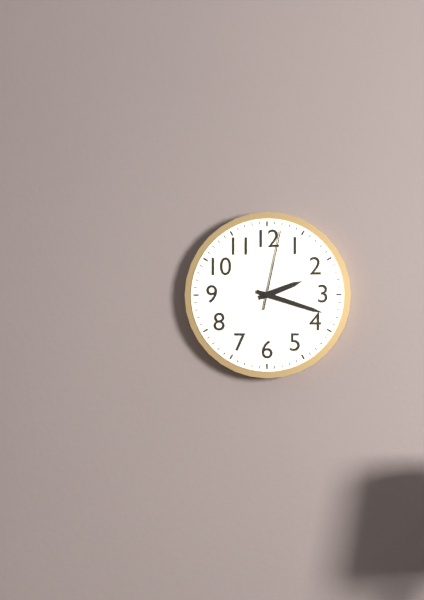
2:18:02
